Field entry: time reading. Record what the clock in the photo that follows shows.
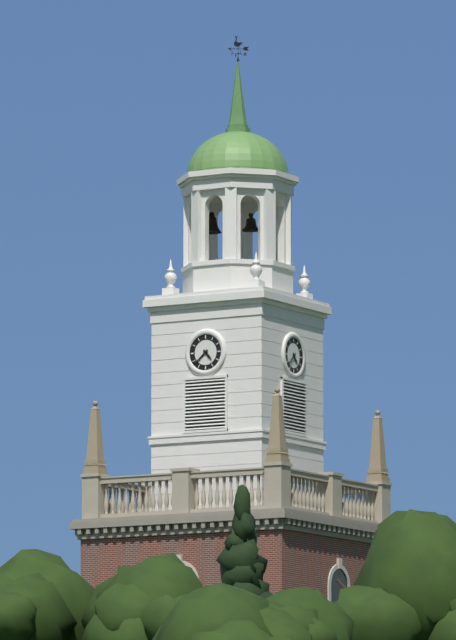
4:38
